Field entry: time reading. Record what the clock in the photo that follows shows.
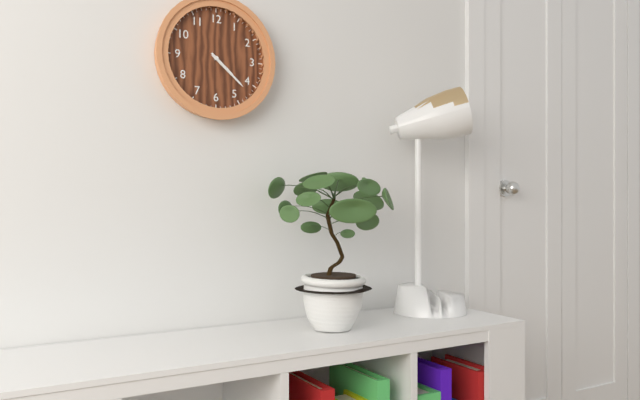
4:22
